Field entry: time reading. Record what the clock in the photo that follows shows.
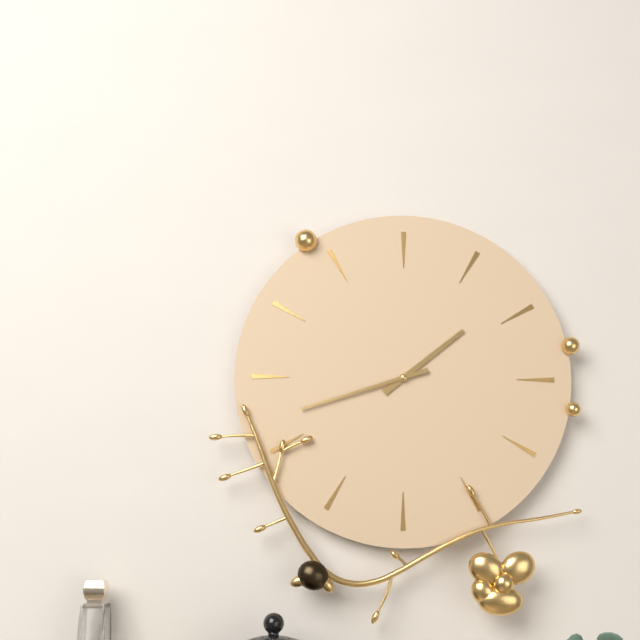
1:42
